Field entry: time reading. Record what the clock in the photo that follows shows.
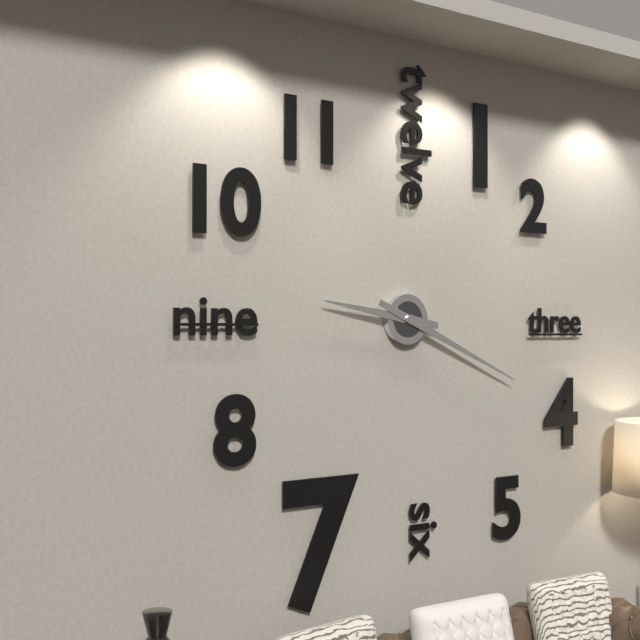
9:19
